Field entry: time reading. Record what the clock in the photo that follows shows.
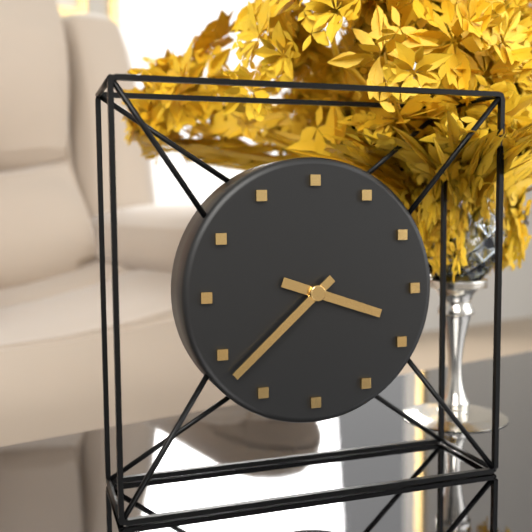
3:38
